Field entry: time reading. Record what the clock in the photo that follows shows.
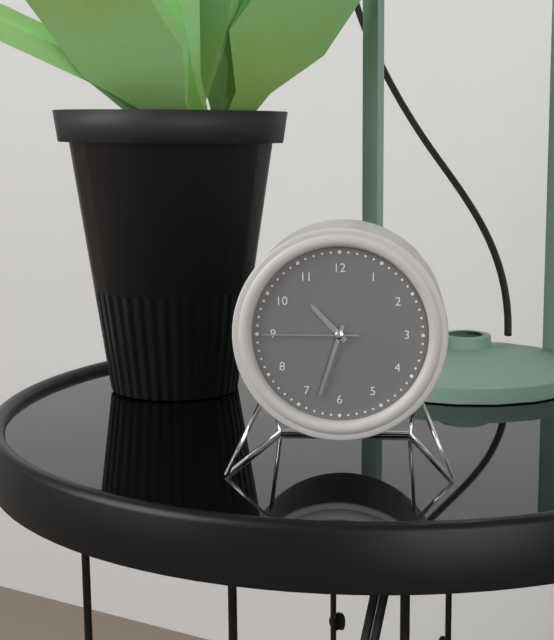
10:33:45
